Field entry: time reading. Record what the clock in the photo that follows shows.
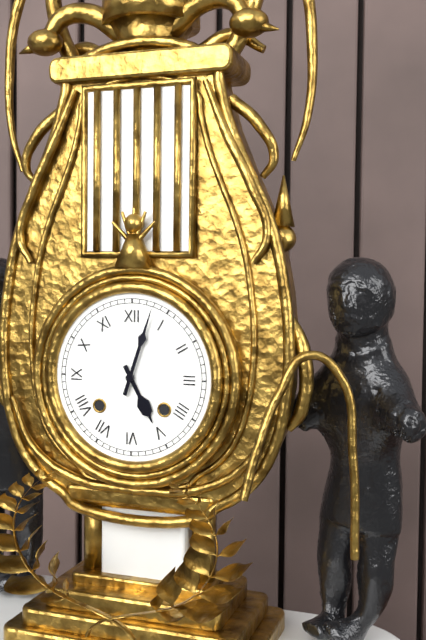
5:03
